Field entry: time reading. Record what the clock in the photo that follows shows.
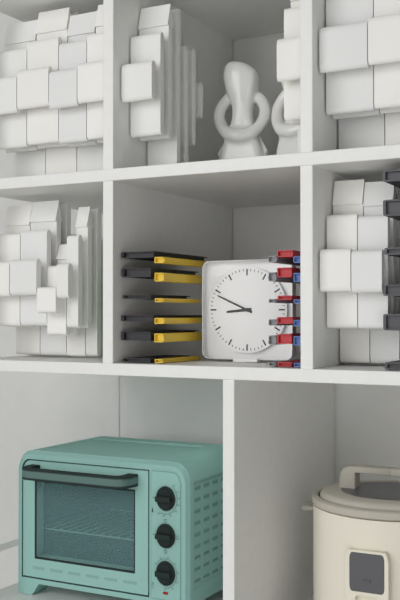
8:49
